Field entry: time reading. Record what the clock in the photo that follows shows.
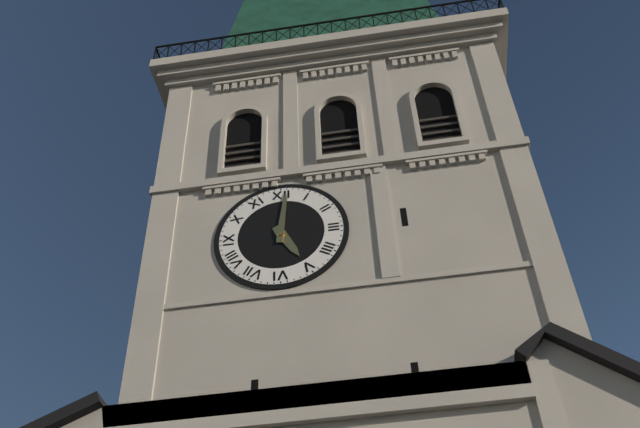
5:01
